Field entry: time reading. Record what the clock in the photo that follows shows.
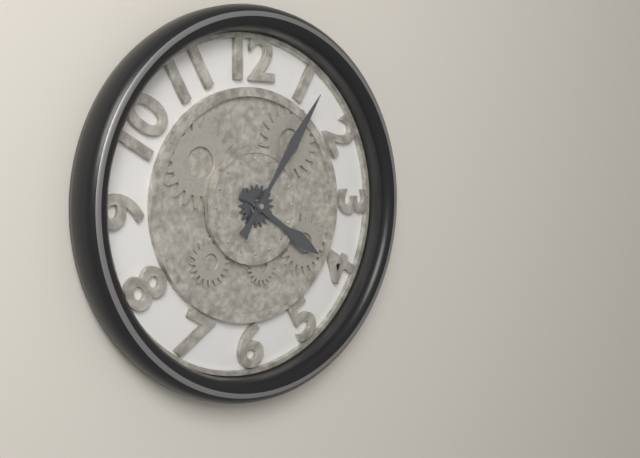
4:06
